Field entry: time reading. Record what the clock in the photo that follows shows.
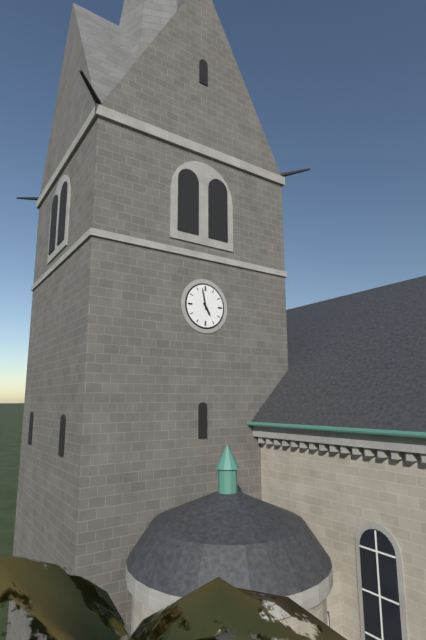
4:58
